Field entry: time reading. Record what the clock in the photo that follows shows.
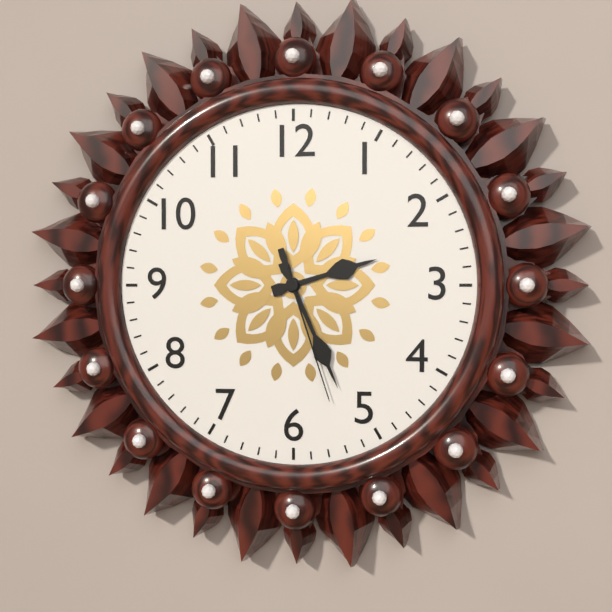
2:26:27
